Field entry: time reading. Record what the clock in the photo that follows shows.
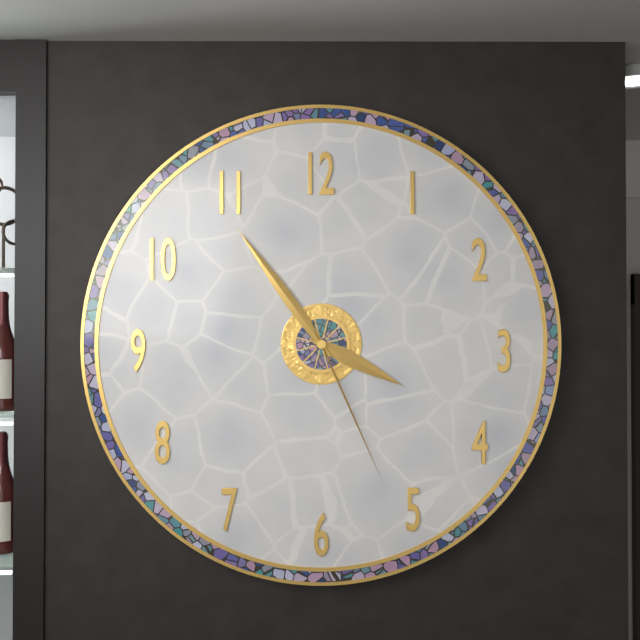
3:54:26
